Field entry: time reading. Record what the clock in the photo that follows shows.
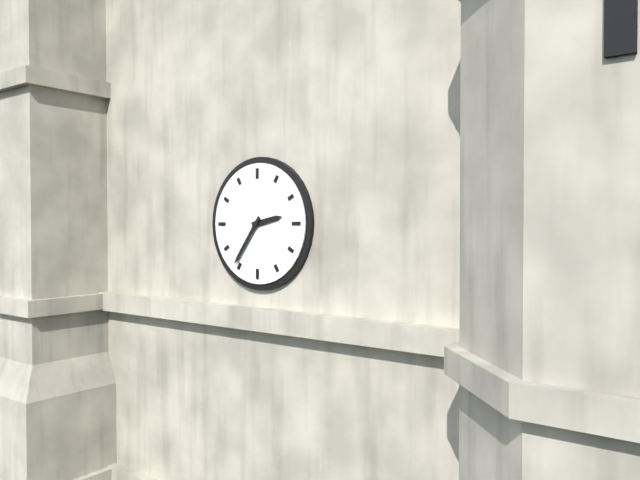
2:36
